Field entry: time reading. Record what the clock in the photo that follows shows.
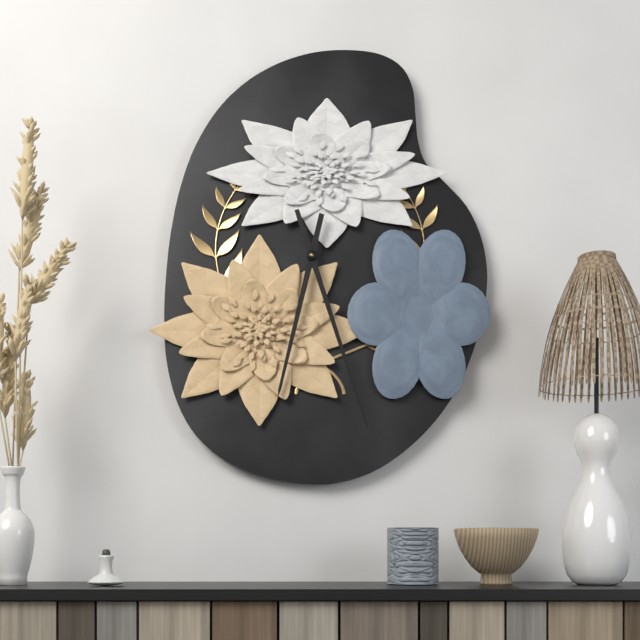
6:27
